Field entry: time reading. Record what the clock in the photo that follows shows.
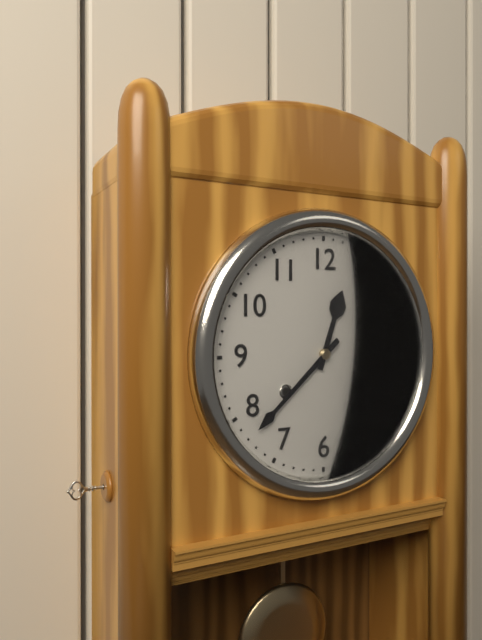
12:38
